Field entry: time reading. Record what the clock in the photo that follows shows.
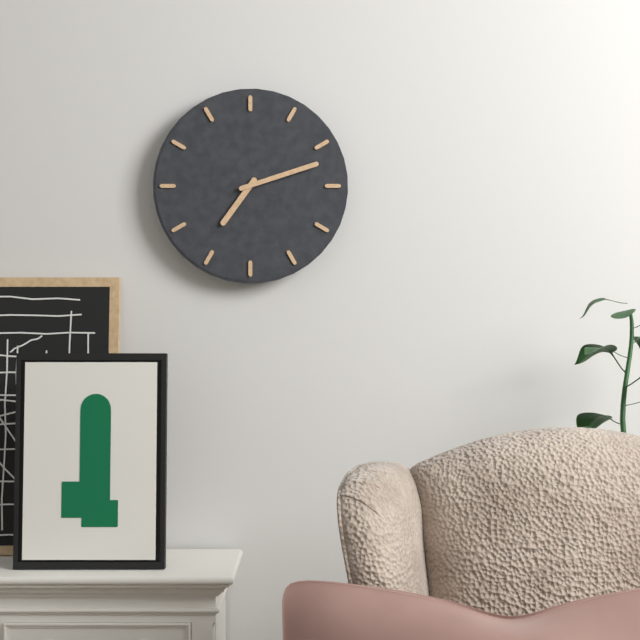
7:12
